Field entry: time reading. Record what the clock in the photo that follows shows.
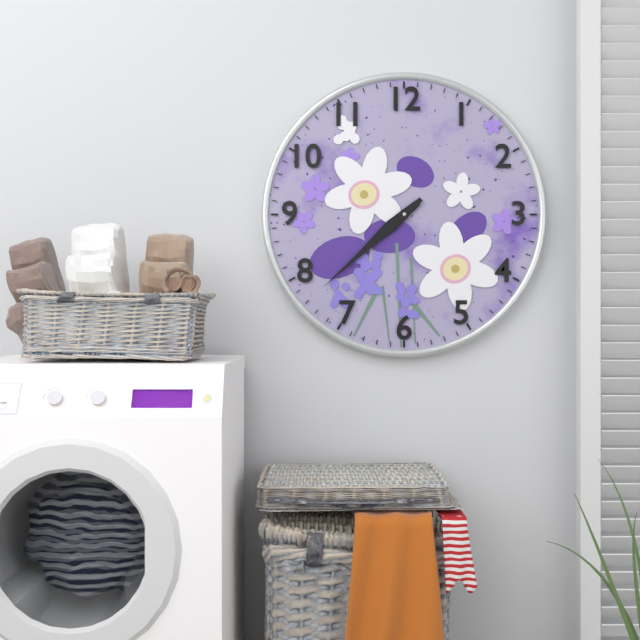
7:38
